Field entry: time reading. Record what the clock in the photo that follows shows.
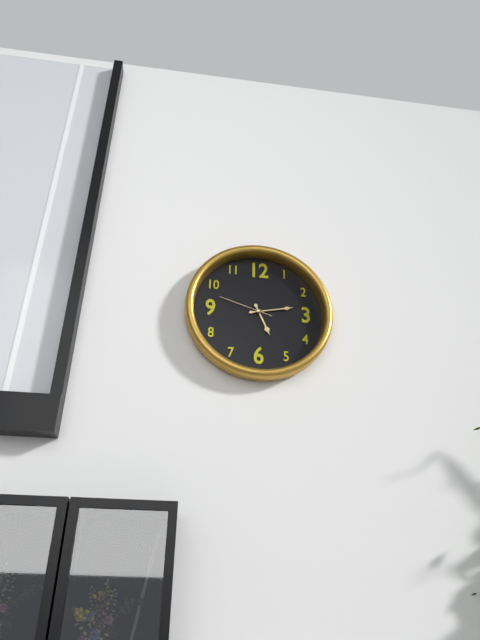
5:13:48
